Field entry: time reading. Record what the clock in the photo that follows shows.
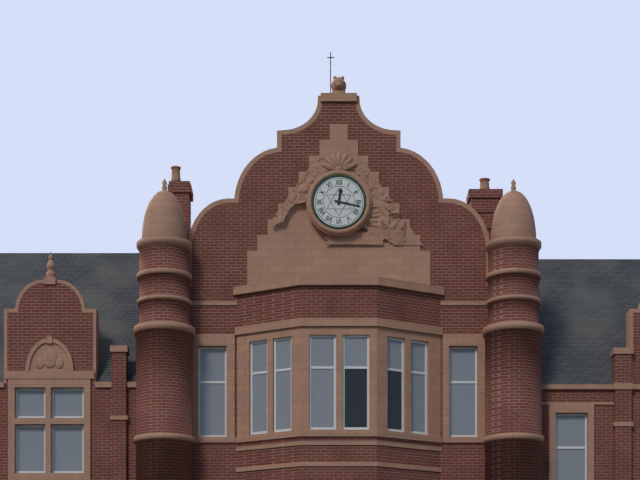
12:17
